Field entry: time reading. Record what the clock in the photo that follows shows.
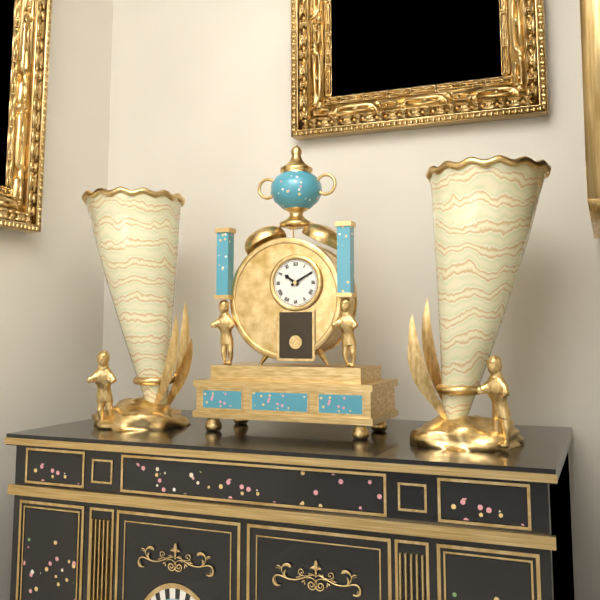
10:10
